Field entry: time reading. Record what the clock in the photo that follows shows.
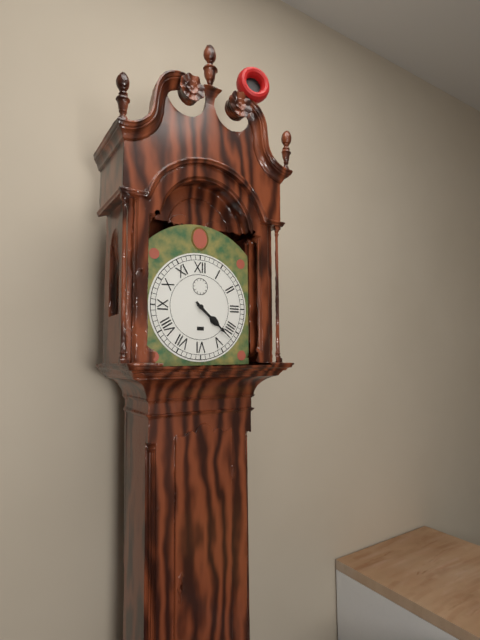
4:22
